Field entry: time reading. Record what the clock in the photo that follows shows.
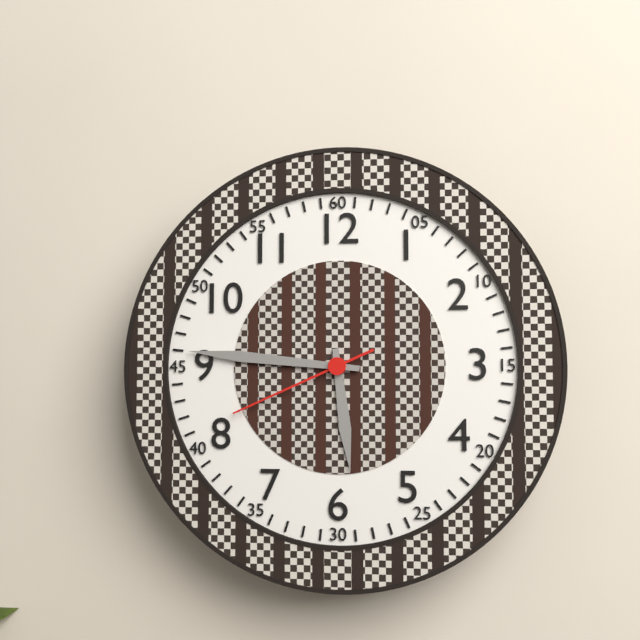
5:46:41
